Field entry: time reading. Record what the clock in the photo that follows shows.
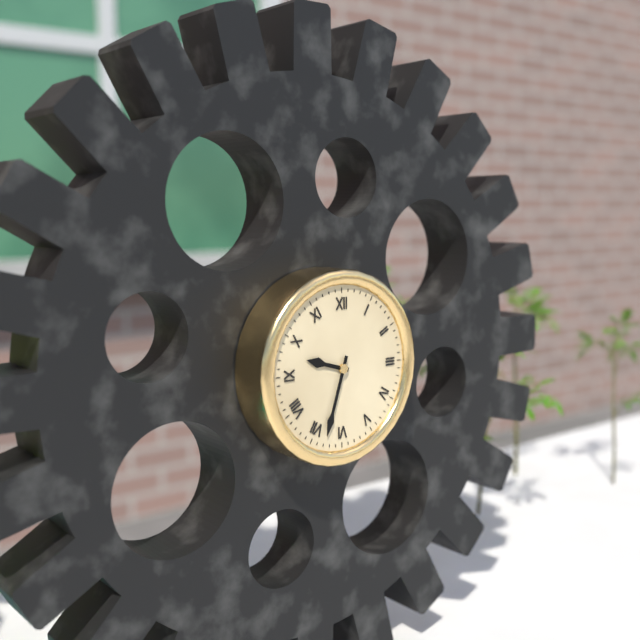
9:33
